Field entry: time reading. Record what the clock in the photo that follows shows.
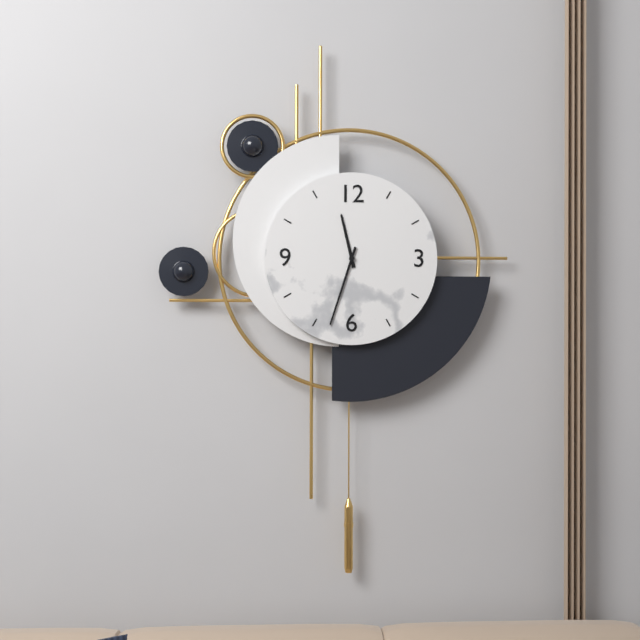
11:33
